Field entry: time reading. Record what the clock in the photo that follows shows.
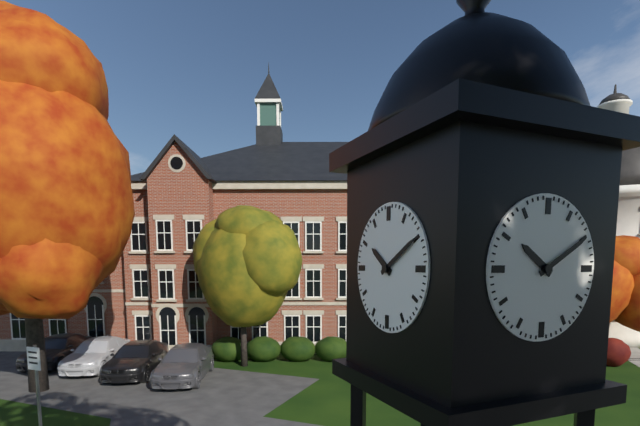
10:10
